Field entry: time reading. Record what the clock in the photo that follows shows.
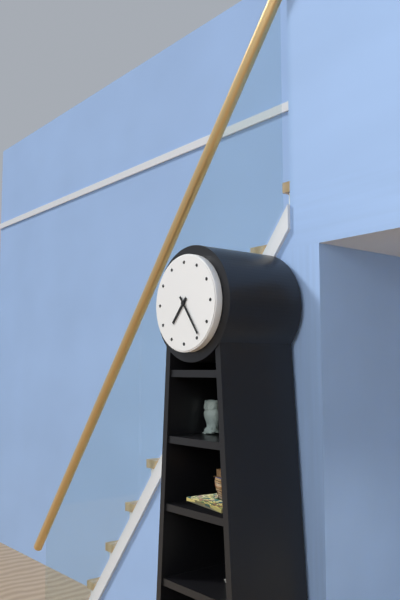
7:24
